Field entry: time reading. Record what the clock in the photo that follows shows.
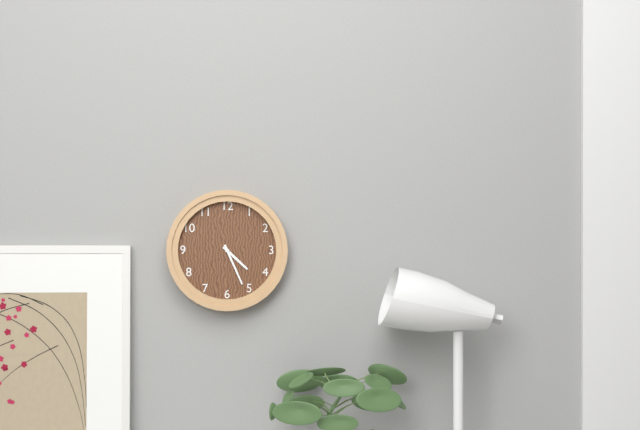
4:26
